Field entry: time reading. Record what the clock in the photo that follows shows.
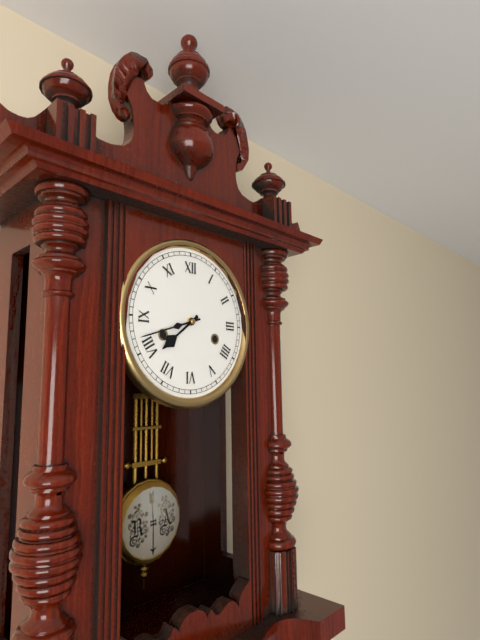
7:42
